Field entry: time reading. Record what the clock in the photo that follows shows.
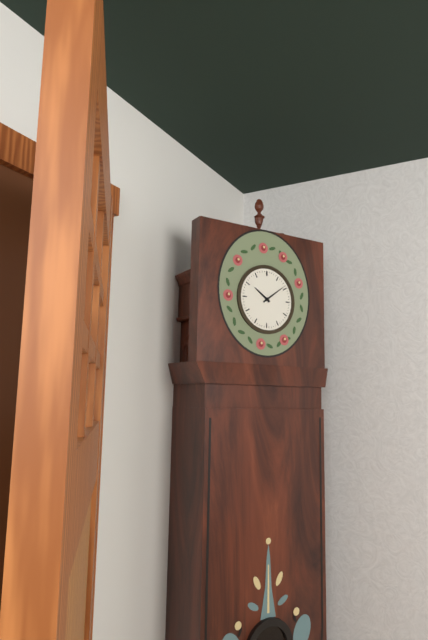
10:09
